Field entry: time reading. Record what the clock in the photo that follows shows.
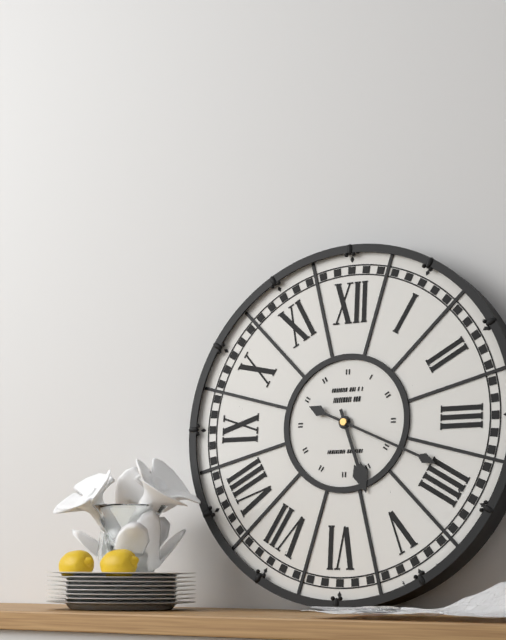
5:19
